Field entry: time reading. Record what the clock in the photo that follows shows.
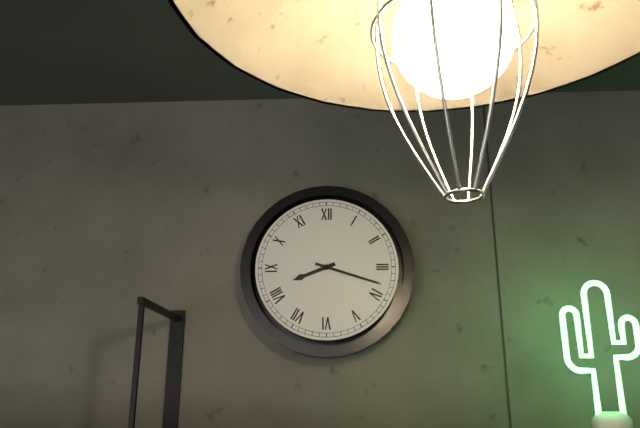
8:18
